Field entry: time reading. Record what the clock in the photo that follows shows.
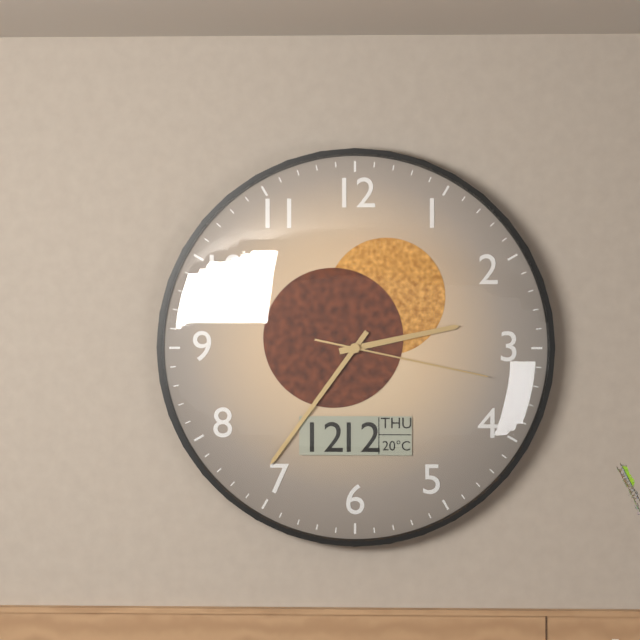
2:36:17
